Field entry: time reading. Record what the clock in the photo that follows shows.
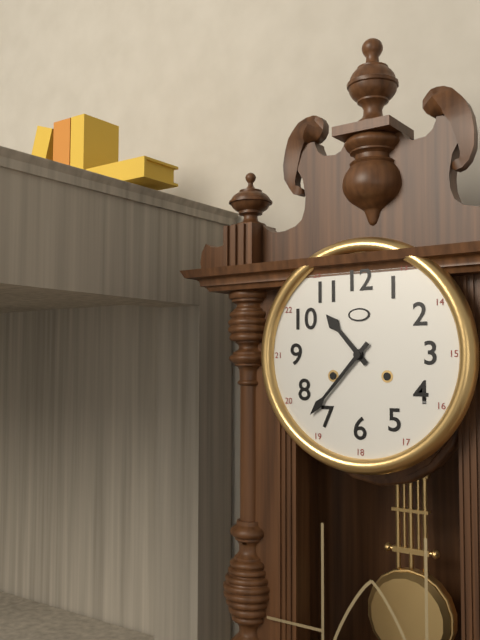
10:37
